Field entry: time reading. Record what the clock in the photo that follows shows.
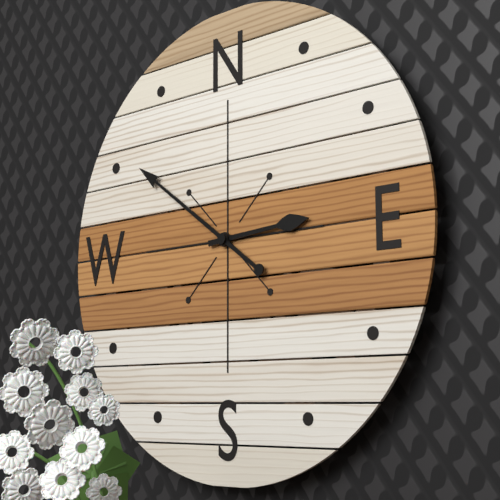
2:51
